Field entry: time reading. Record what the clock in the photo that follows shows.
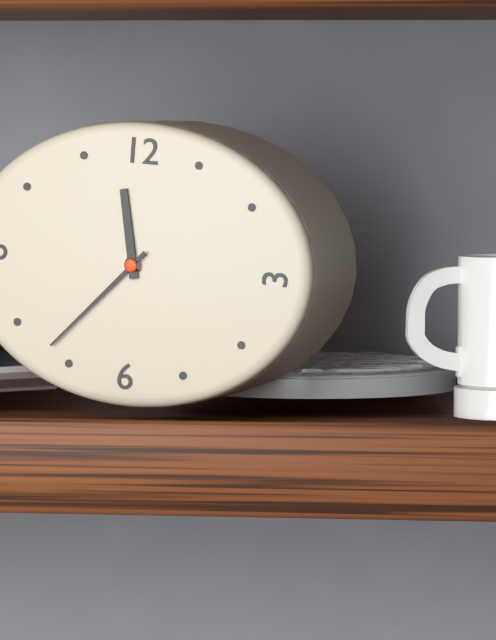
11:37
